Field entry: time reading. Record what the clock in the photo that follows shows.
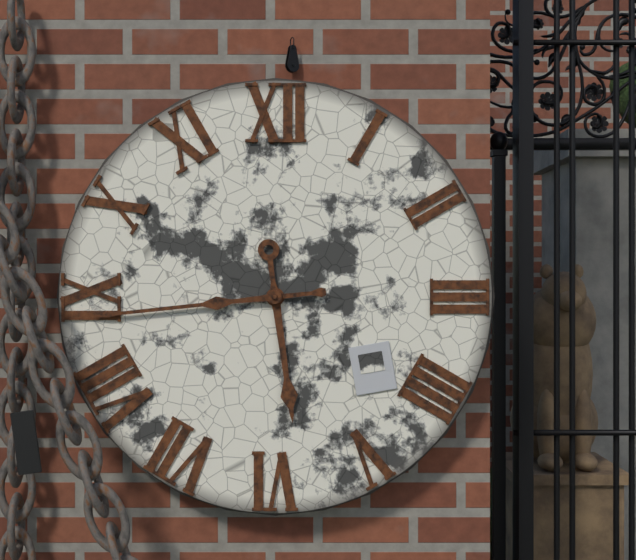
5:44
